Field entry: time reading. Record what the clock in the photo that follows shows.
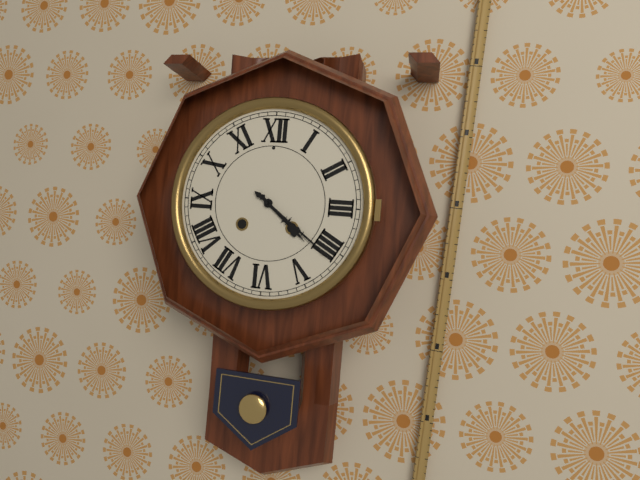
4:21
